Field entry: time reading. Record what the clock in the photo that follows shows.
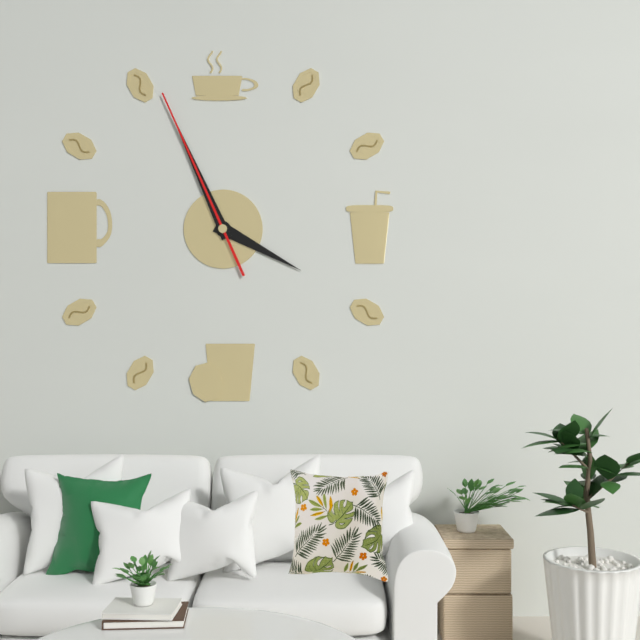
3:56:56
